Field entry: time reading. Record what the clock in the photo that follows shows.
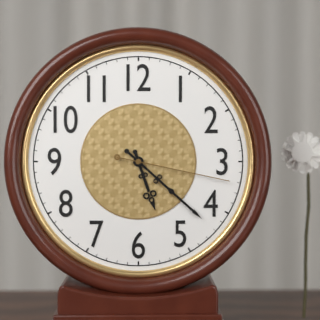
5:22:17
